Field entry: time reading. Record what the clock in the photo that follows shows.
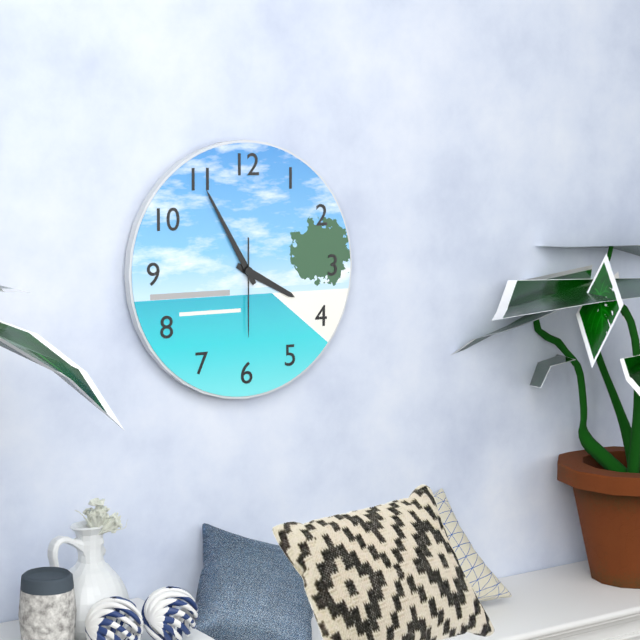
3:55:30
